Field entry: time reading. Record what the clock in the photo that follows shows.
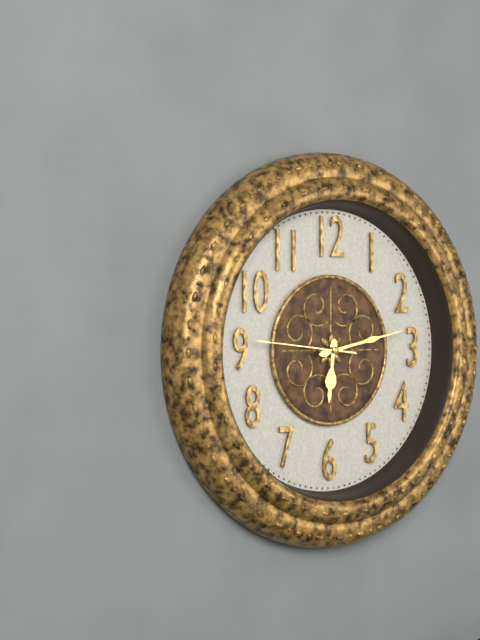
6:13:46
